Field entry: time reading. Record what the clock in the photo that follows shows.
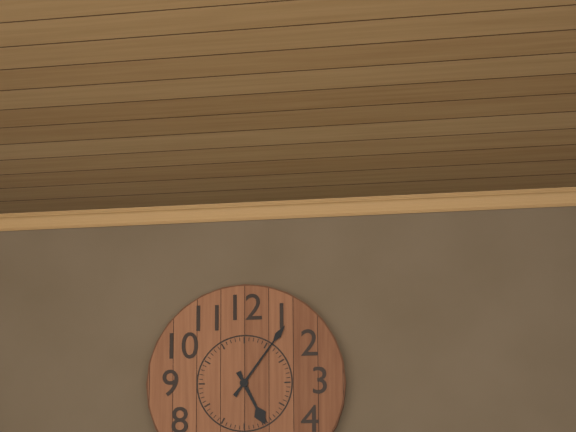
5:06
